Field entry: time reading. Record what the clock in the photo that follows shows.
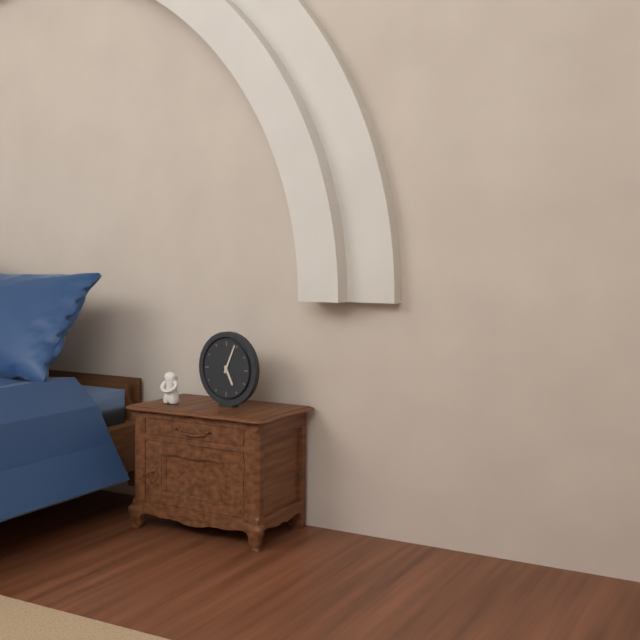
5:04
